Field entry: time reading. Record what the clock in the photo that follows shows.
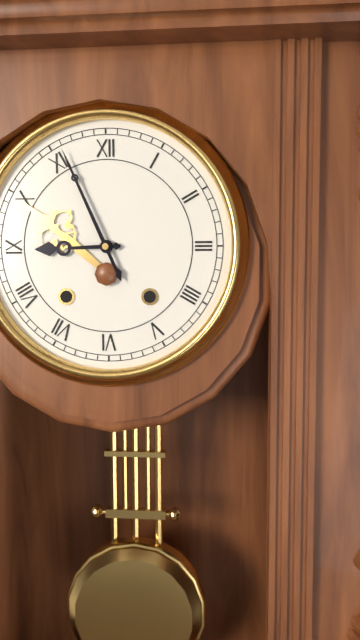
8:56
